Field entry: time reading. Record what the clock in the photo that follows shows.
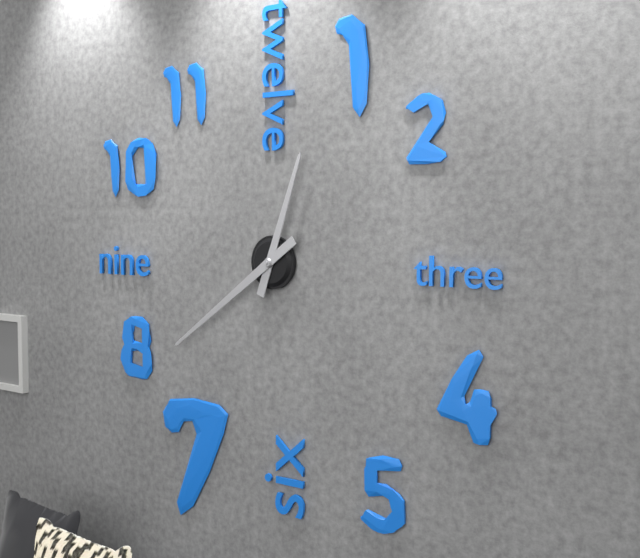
12:39
